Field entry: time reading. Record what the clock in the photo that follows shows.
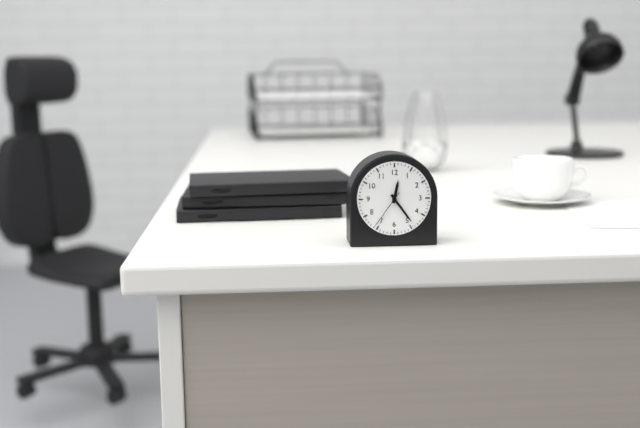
12:24
